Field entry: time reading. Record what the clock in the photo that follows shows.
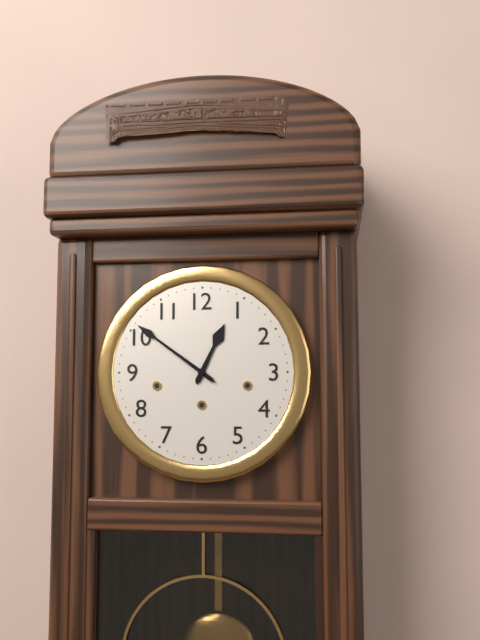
12:51
